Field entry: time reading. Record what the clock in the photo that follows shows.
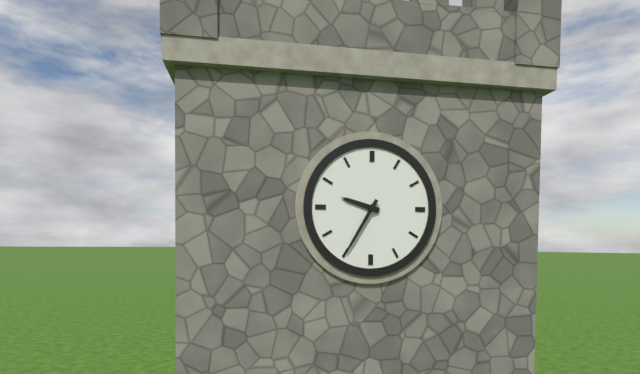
9:35
